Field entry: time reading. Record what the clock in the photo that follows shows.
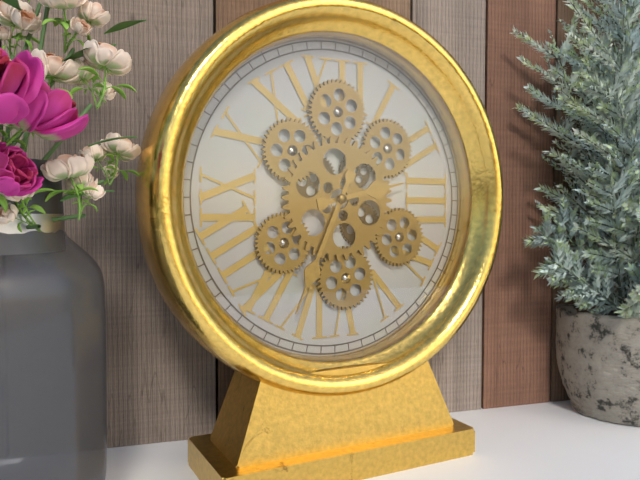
2:34
